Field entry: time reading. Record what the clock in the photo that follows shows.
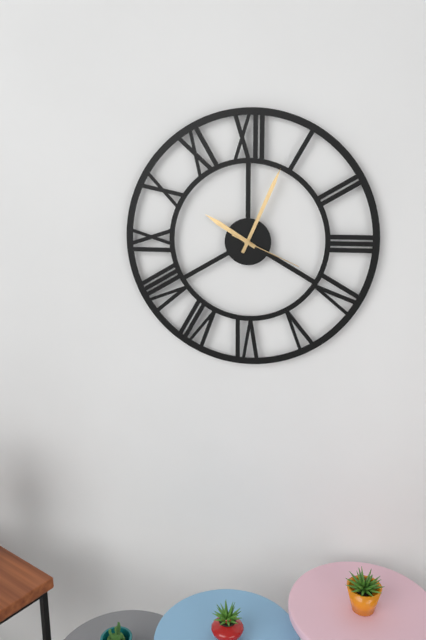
10:04:19
